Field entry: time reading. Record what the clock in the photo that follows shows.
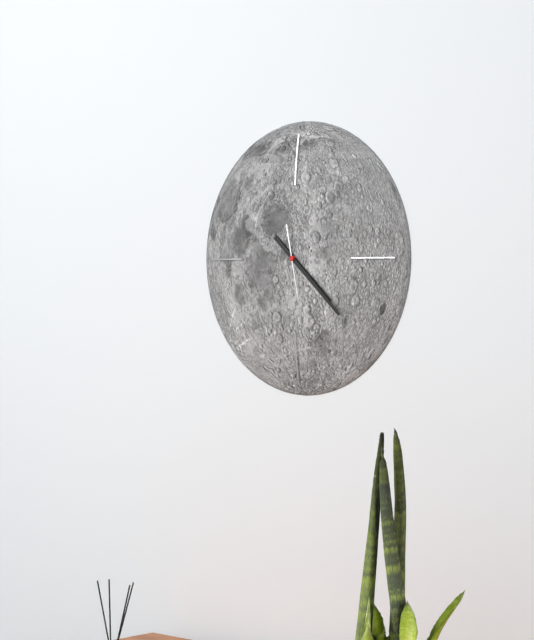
4:22:28
